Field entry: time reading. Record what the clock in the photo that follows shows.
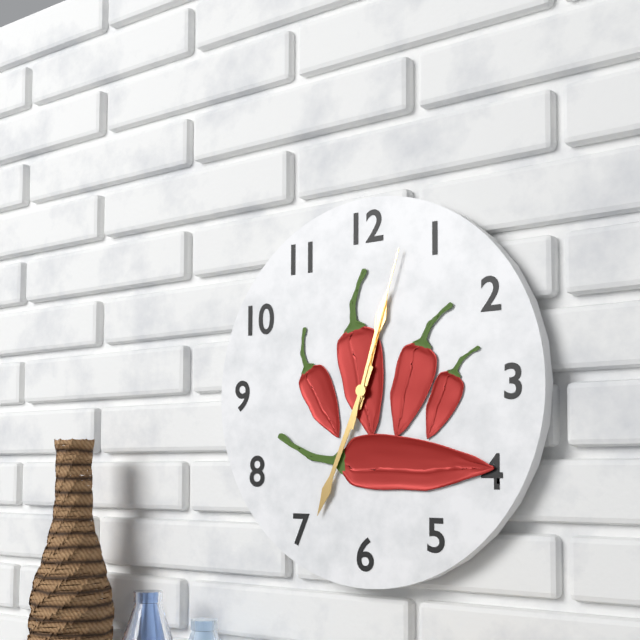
12:34:03
